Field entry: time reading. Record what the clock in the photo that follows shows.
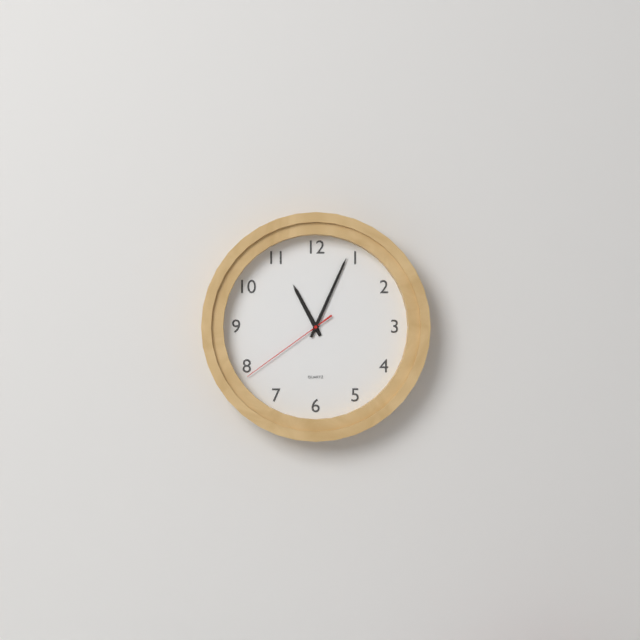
11:04:39
